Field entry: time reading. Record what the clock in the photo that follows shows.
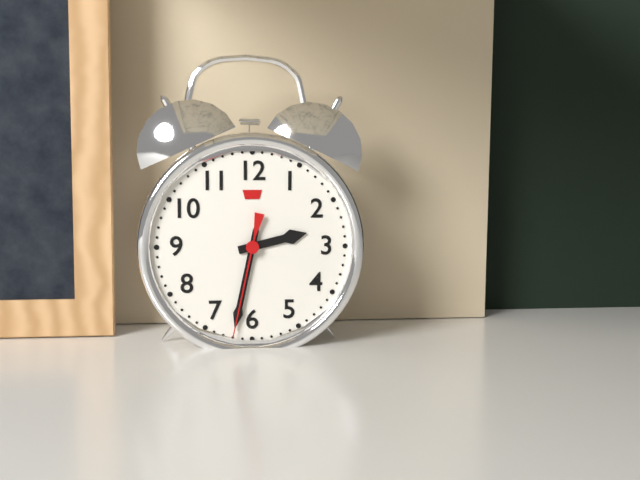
2:32:32
